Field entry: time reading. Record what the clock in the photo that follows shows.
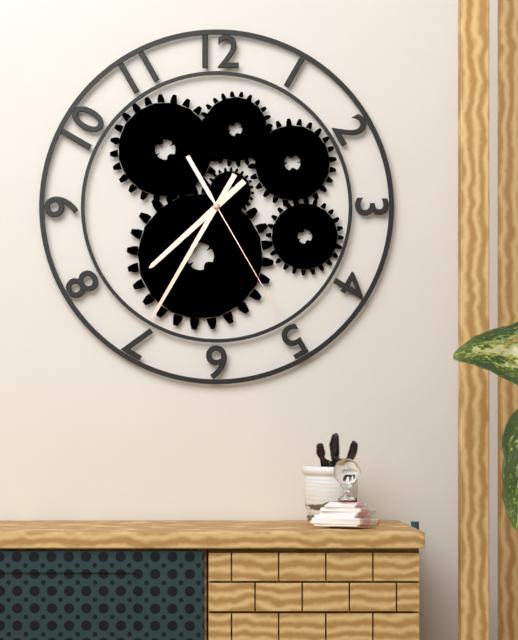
7:35:25
